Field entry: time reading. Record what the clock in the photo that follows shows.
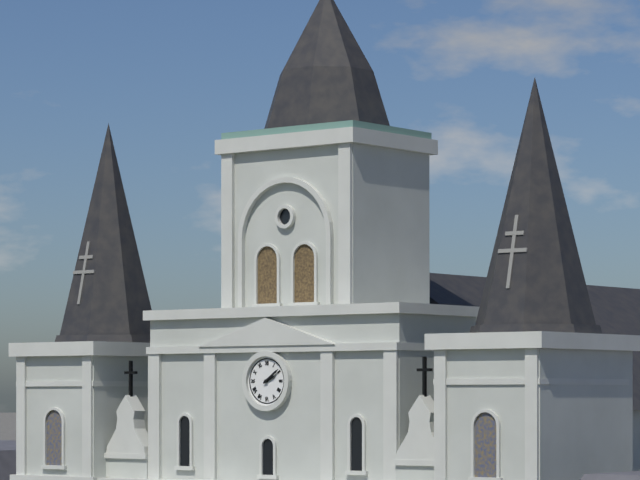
2:09
